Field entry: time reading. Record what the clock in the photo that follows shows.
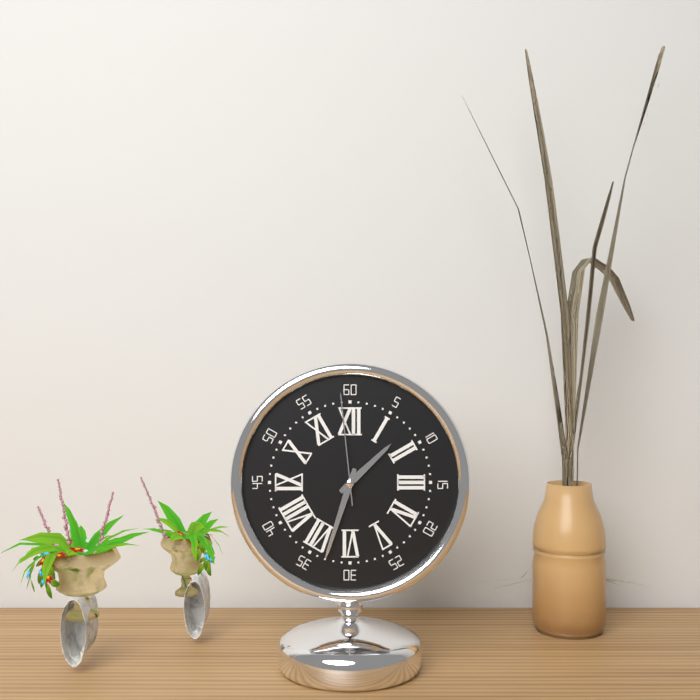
1:33:59
